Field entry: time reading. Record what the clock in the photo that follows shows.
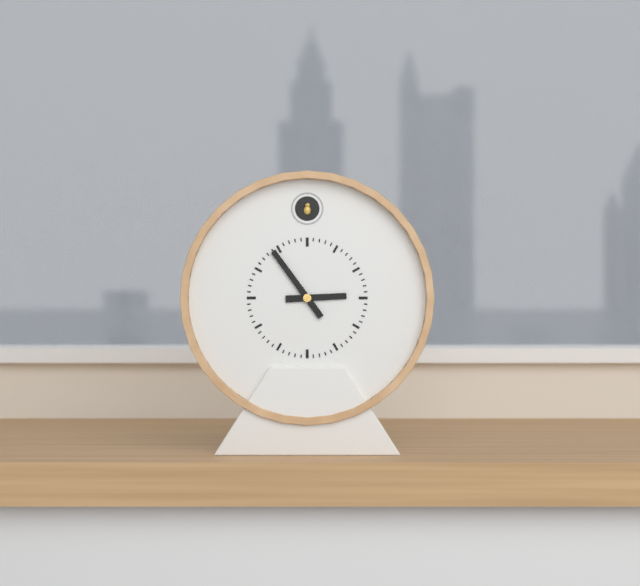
2:54
